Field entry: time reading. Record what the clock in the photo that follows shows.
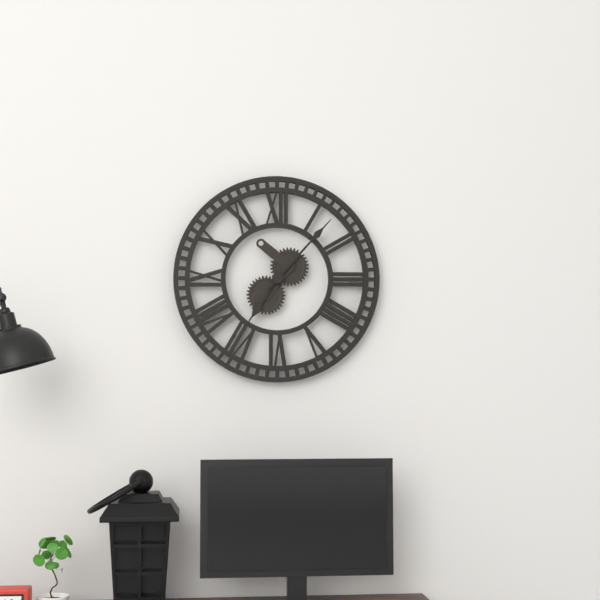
7:07
